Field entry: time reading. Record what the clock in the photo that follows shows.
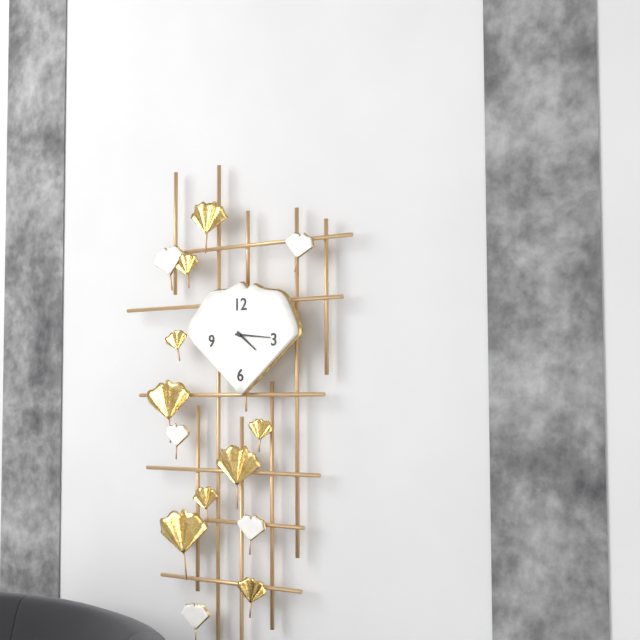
4:16
